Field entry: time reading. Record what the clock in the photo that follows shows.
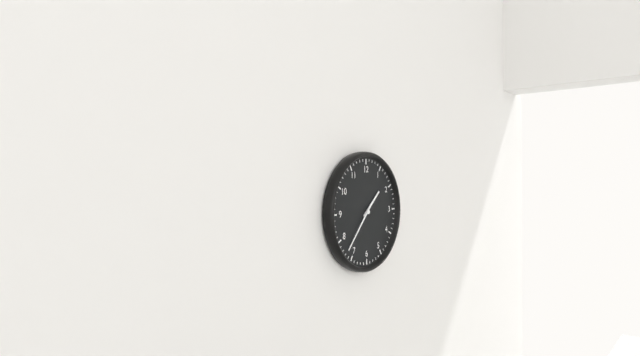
1:37
